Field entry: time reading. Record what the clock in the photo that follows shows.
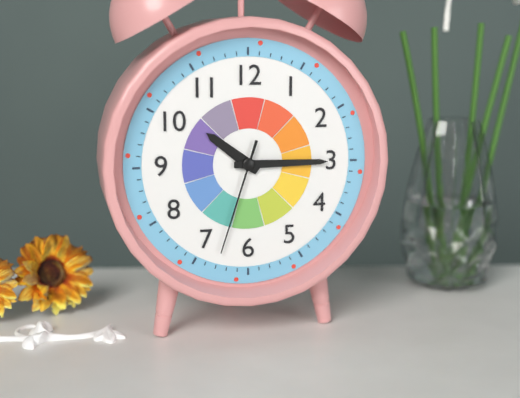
10:15:33
